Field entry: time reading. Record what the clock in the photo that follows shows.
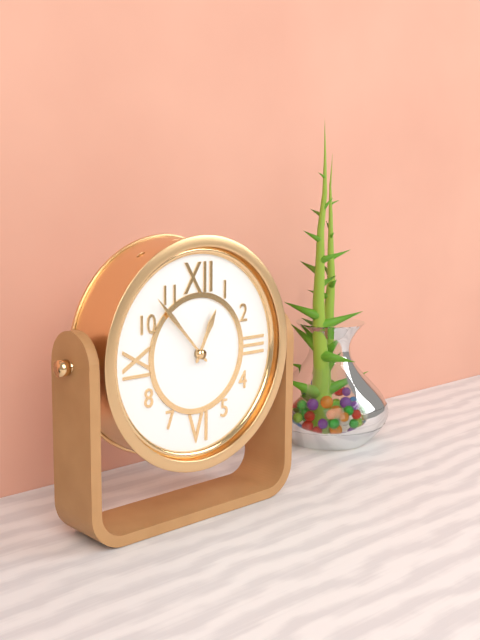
12:53
